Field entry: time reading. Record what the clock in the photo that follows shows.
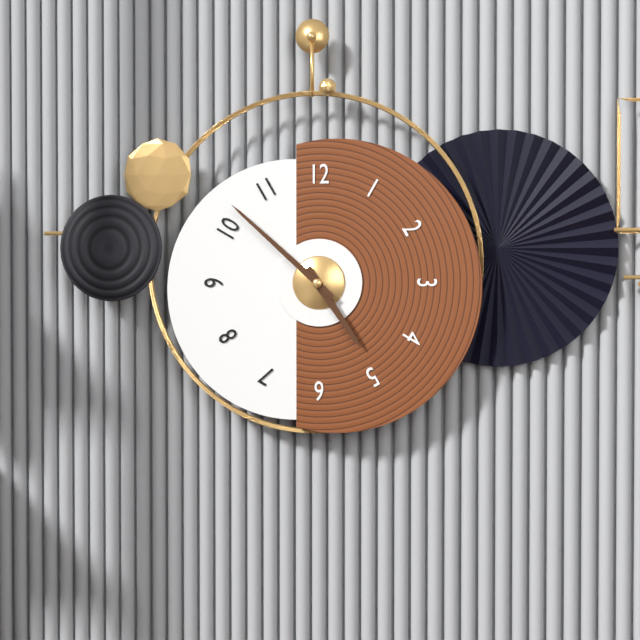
4:52
